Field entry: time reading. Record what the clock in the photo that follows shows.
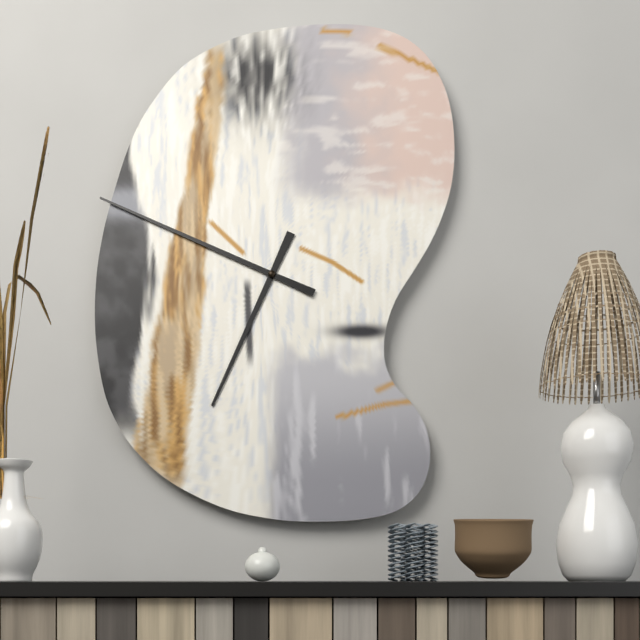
6:49
